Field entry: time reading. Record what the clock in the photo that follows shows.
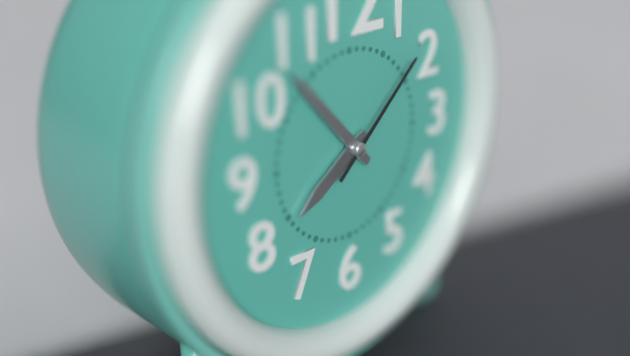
7:53:08
